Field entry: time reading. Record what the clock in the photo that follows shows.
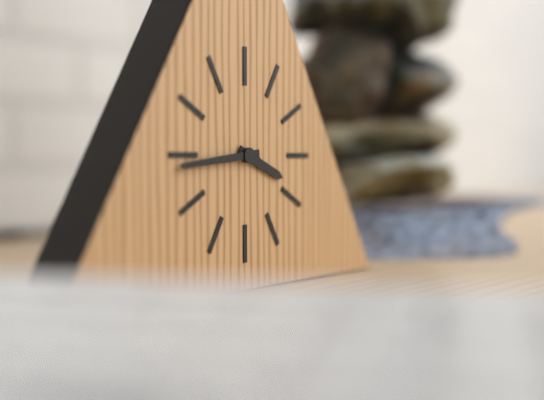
3:44
